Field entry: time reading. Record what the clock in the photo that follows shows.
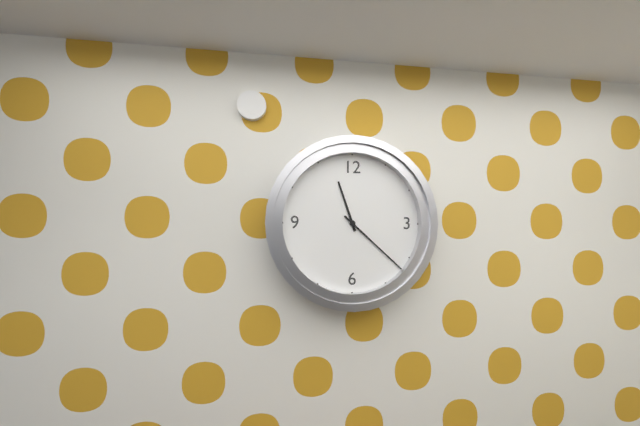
11:22
